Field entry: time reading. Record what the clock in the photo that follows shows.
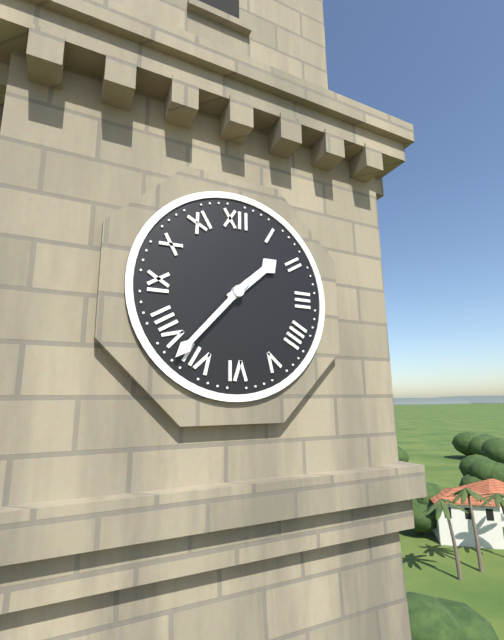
1:37
